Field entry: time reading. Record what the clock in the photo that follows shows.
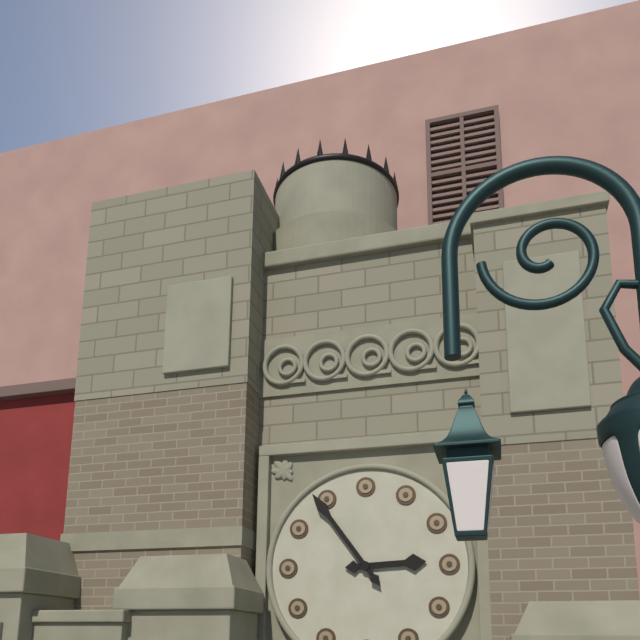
2:54
